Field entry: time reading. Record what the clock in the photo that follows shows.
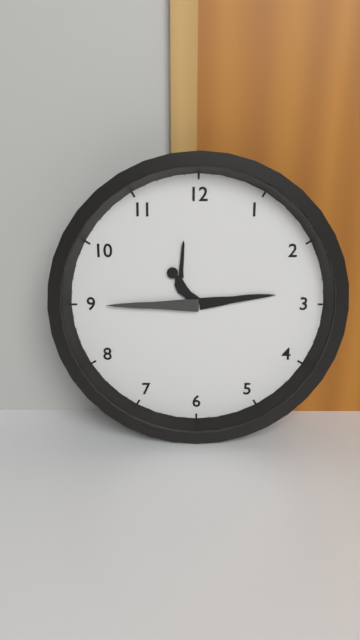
2:45
